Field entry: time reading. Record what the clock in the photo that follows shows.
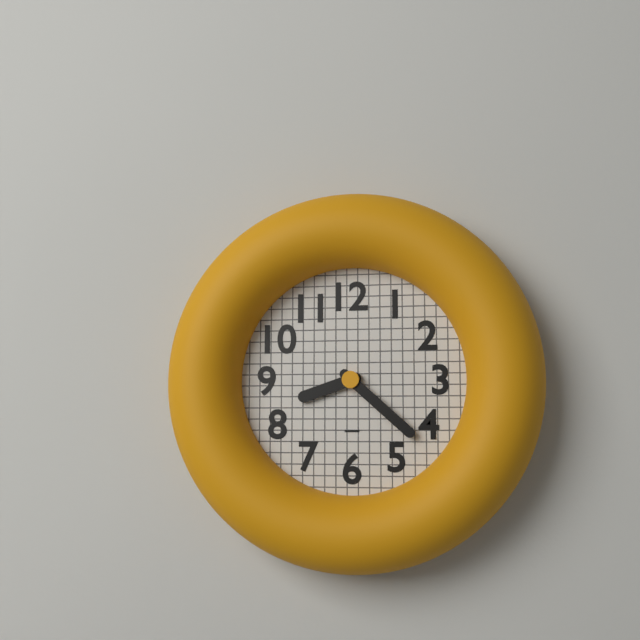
8:22
